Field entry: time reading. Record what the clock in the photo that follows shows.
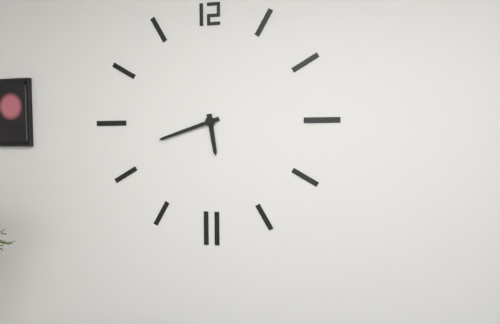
5:42
